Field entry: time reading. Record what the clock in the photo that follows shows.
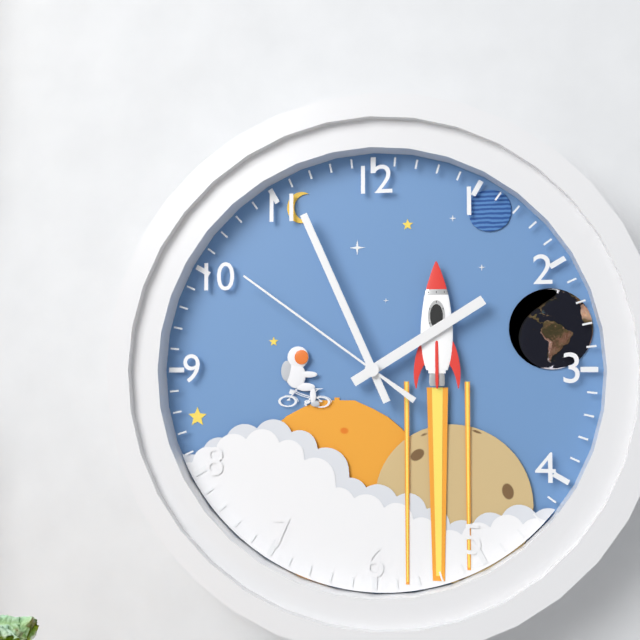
1:56:51
